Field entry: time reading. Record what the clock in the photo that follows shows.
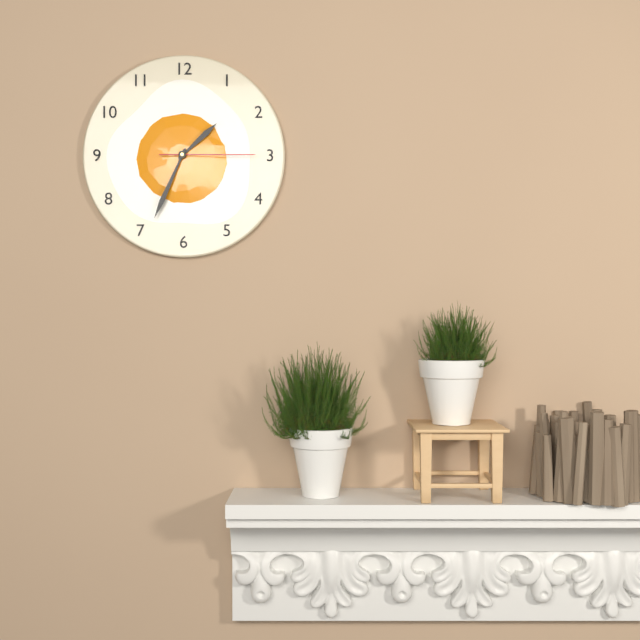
1:34:15
